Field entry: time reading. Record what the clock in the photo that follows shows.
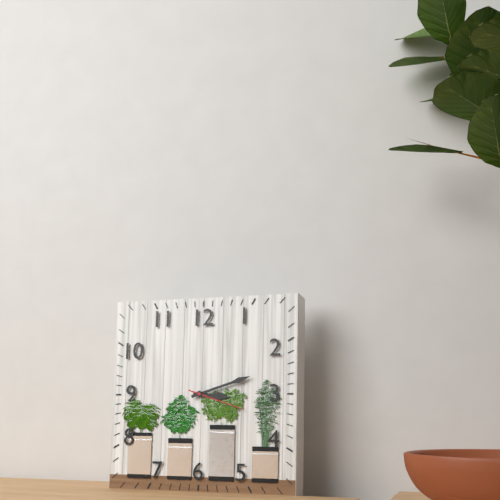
3:12:18
